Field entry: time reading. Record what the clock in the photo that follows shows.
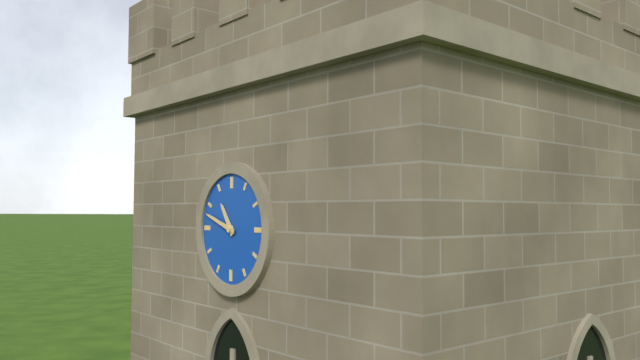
10:48
